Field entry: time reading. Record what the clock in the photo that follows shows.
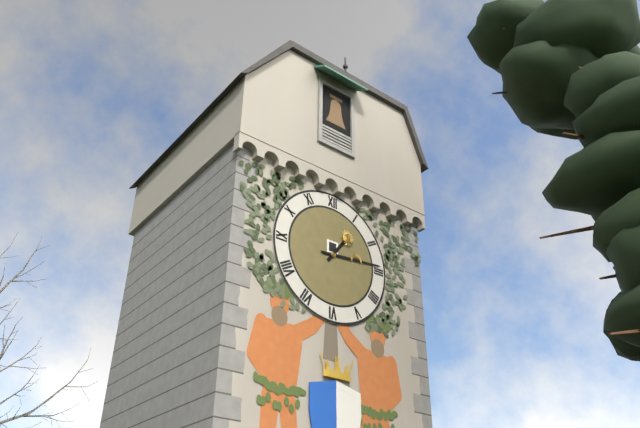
1:14
